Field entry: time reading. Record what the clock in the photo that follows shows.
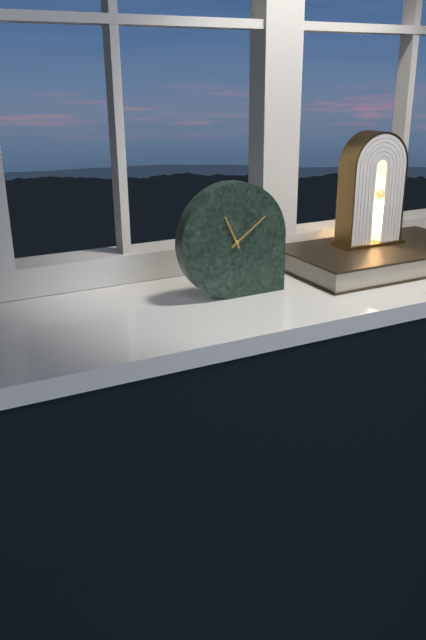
11:09
